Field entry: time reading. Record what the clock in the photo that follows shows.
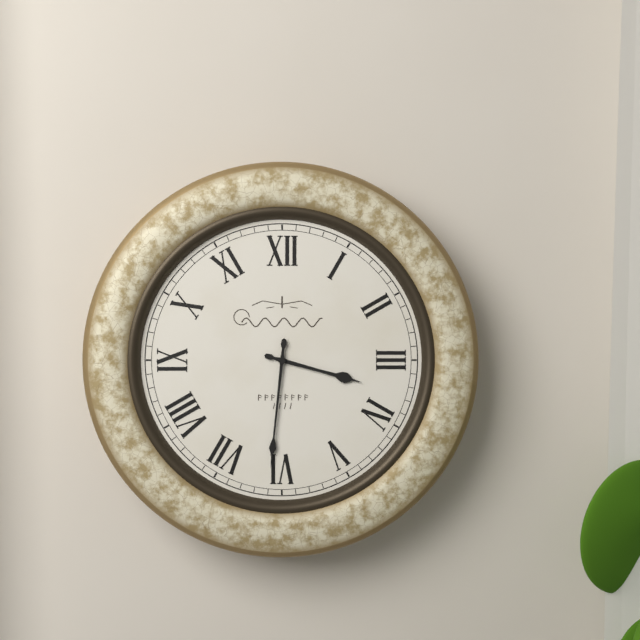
3:31
